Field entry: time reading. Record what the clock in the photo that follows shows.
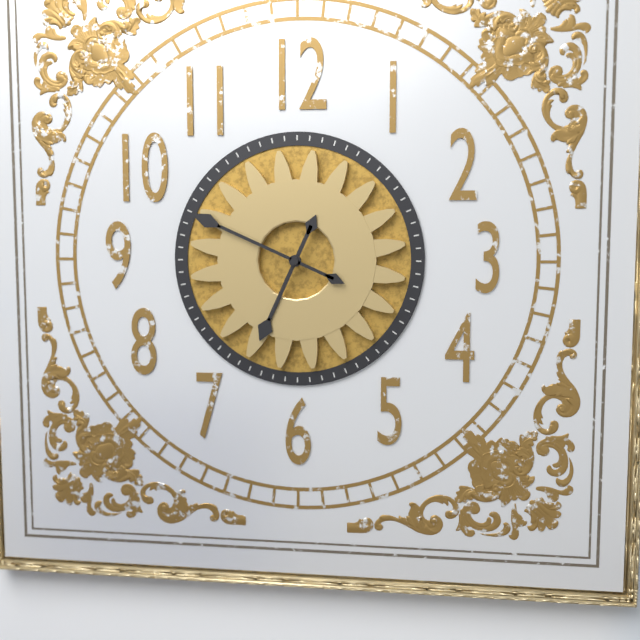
6:49
